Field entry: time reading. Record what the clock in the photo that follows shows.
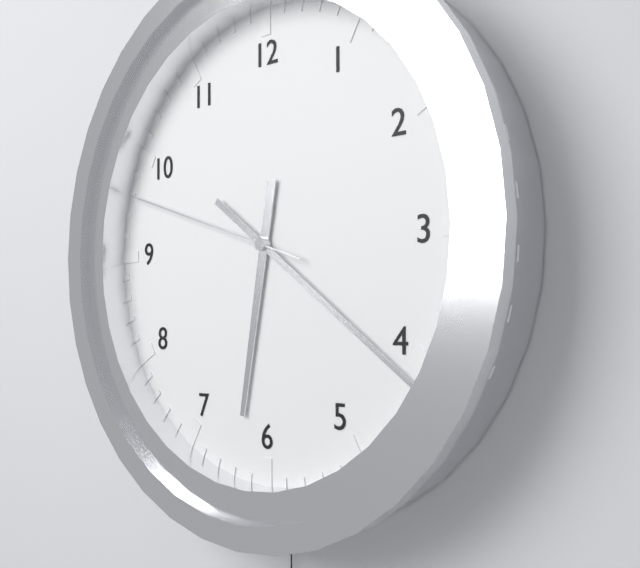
6:21:48
